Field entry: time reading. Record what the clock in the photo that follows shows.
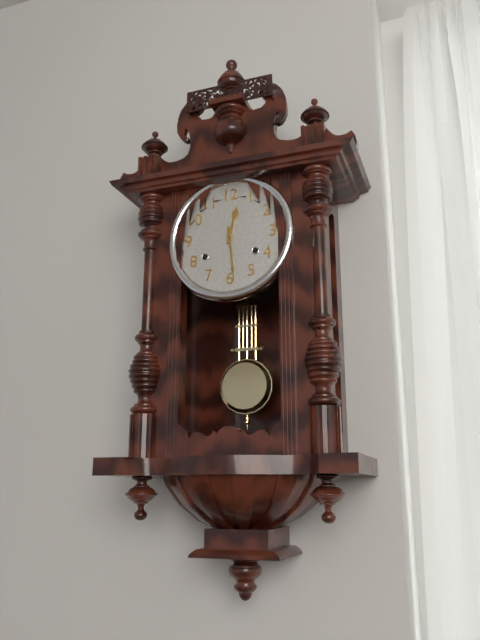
12:29
